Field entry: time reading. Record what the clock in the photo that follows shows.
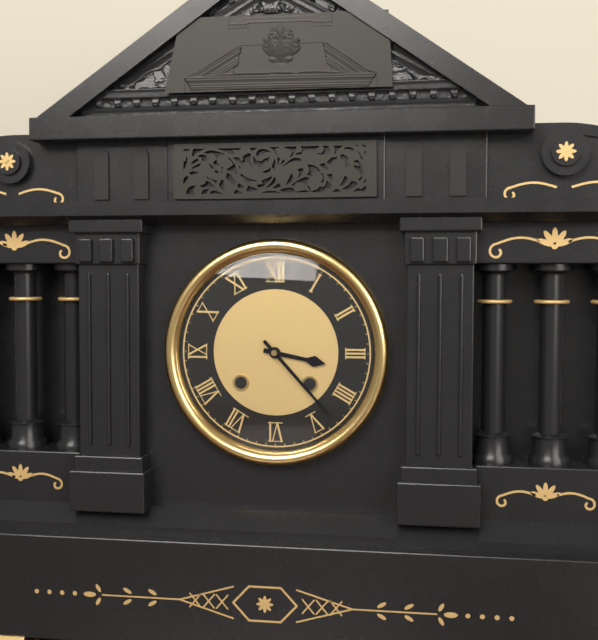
3:23
